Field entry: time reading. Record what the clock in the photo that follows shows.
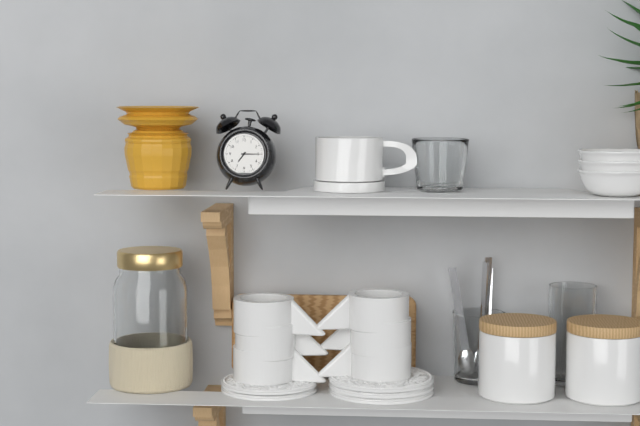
7:15
